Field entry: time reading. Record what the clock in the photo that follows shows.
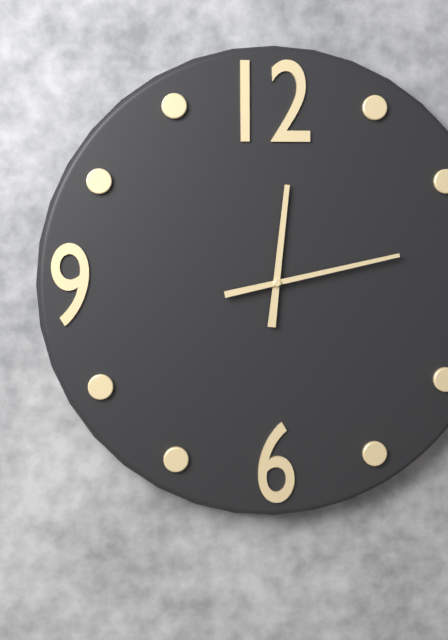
12:13
